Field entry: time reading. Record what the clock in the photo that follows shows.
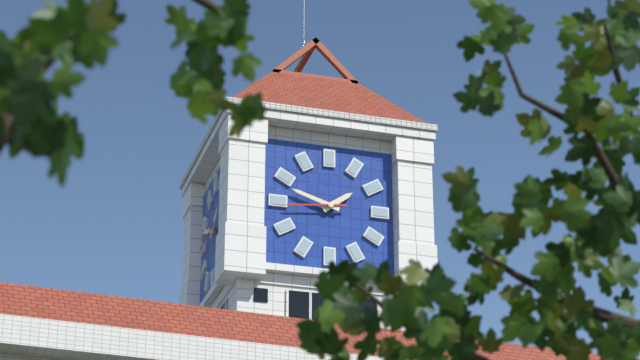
1:48:44
